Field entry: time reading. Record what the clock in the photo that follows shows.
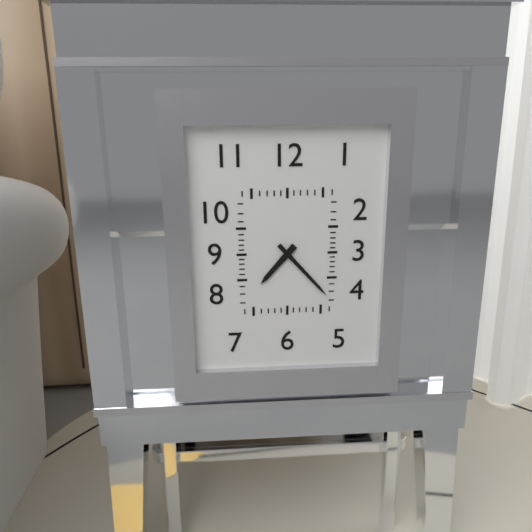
7:23
